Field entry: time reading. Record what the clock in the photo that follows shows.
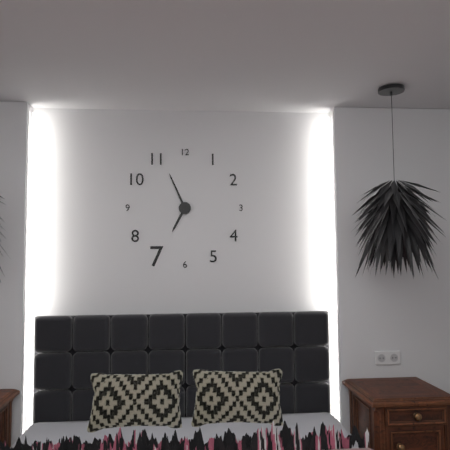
6:56
